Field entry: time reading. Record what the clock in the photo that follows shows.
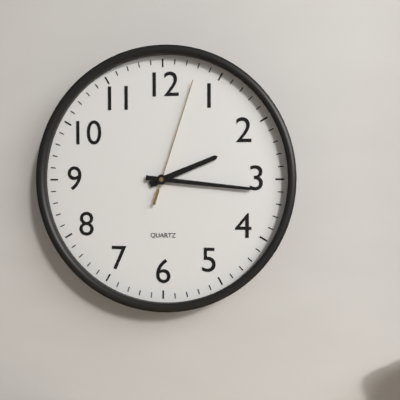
2:16:03
